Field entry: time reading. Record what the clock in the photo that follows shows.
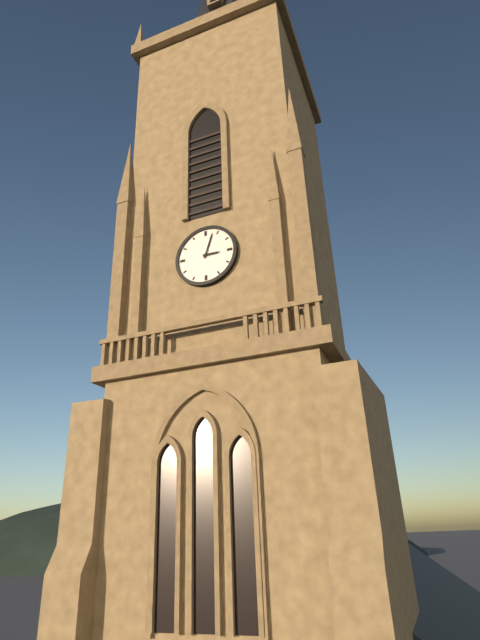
3:03
